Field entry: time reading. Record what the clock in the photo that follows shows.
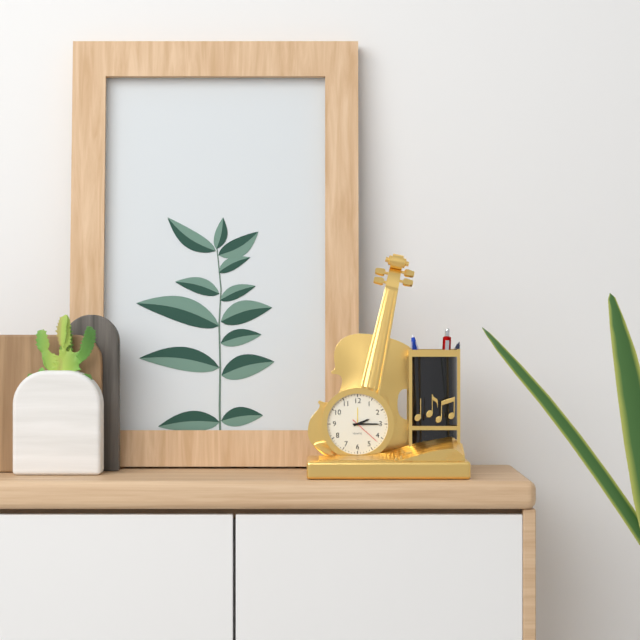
2:15
